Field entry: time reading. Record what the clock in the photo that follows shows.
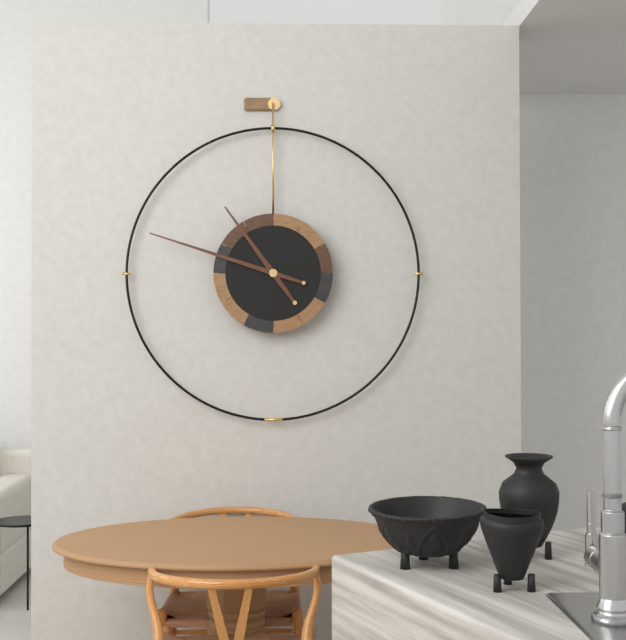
10:48
